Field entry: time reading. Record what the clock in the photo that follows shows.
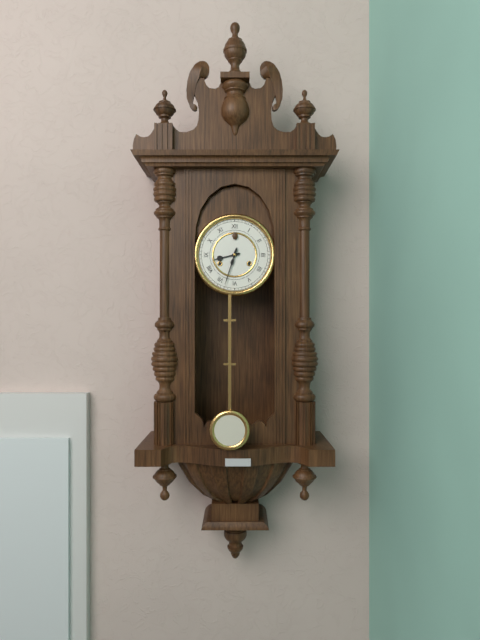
8:33
